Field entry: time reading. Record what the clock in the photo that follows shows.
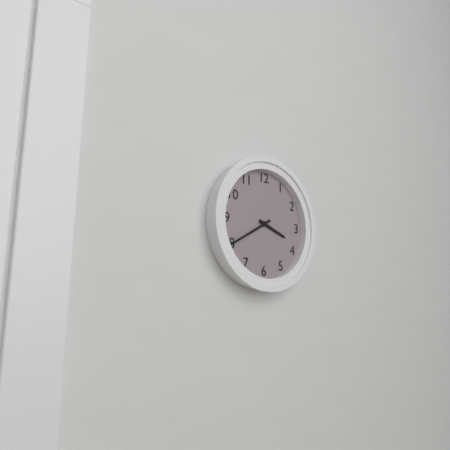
3:40
